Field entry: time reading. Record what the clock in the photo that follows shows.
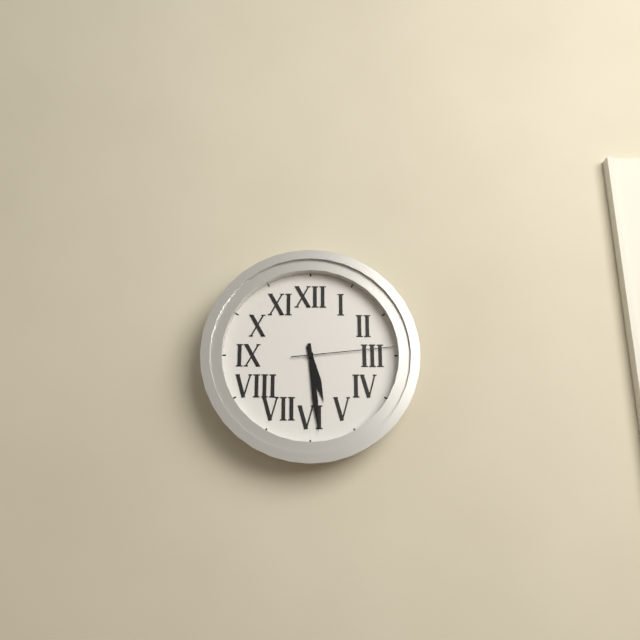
5:29:14
